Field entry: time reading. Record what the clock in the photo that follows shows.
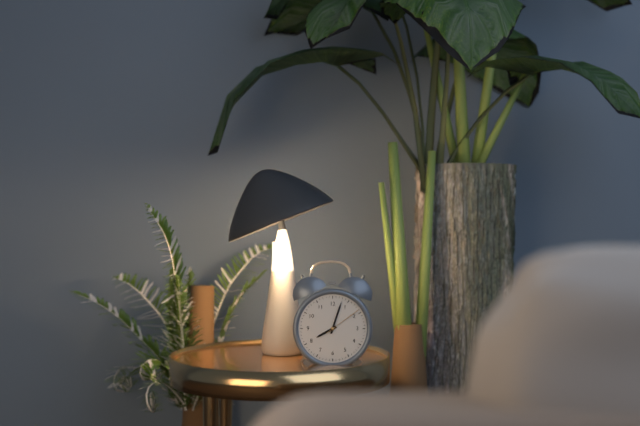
8:03
